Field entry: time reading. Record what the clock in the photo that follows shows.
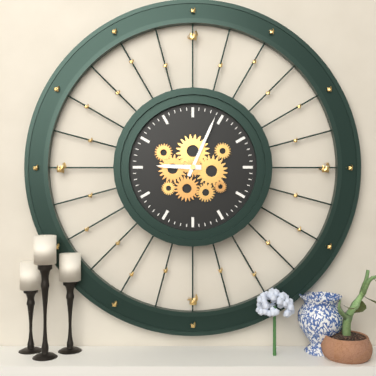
9:04
